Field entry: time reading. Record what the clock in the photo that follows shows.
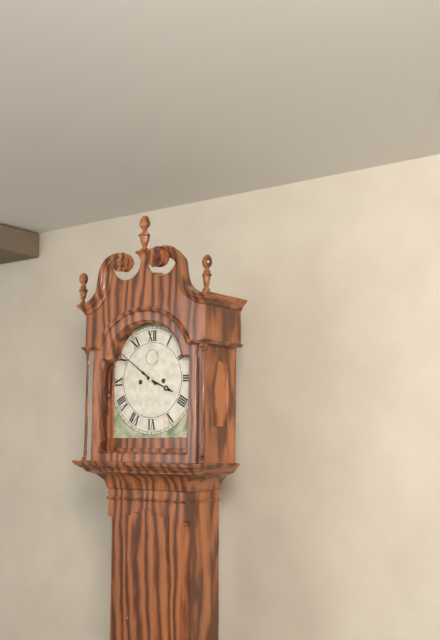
3:51
